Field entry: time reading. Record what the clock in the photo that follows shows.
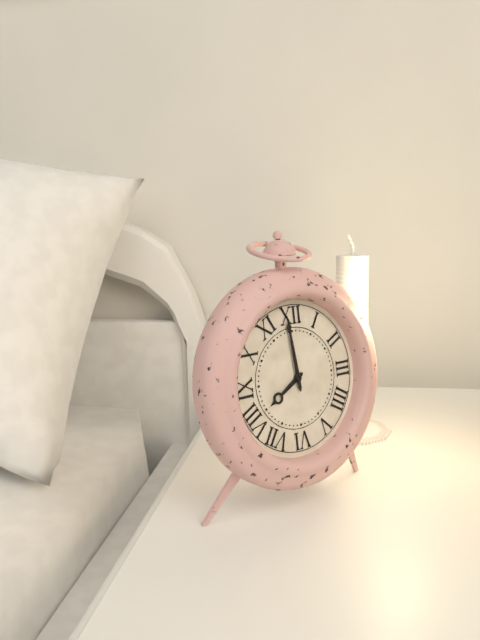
7:59
